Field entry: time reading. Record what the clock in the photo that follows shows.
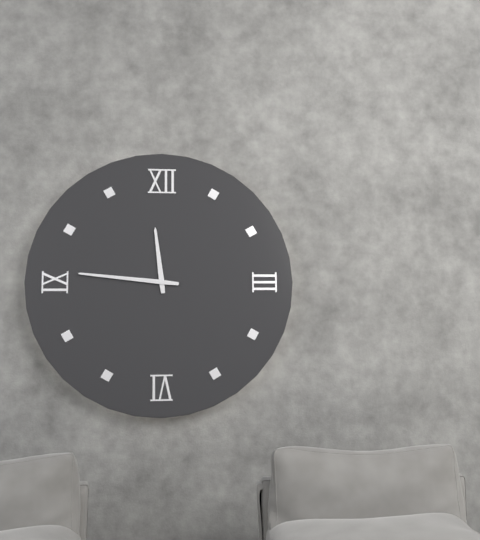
11:46
